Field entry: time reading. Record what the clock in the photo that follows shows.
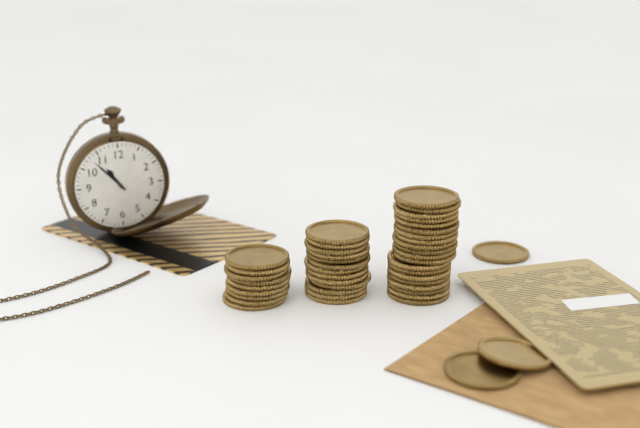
10:53
